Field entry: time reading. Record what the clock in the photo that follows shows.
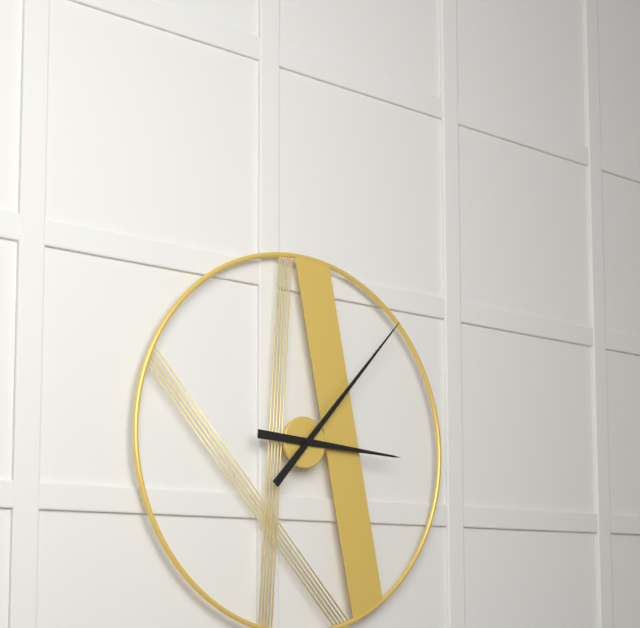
3:07
